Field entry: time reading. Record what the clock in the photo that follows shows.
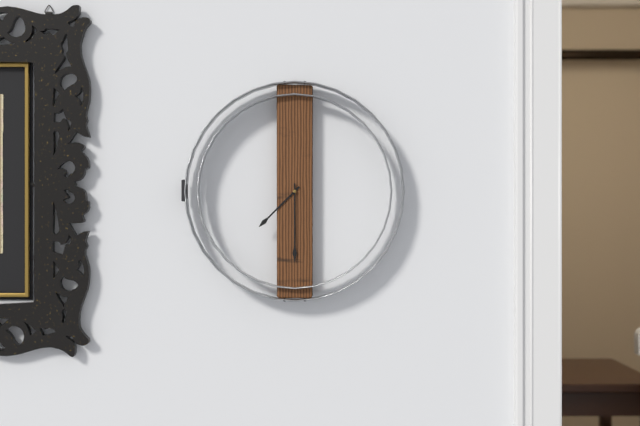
7:30
